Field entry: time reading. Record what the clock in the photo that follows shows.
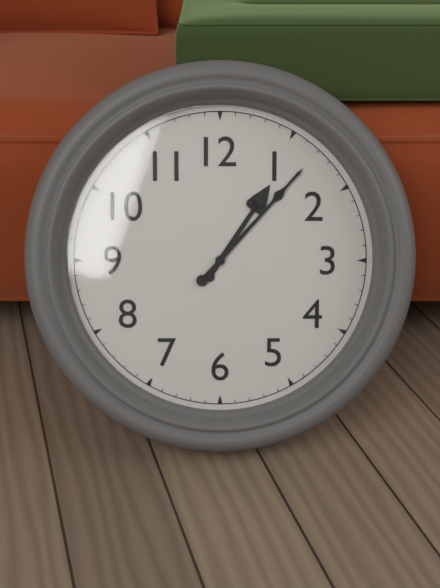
1:07
